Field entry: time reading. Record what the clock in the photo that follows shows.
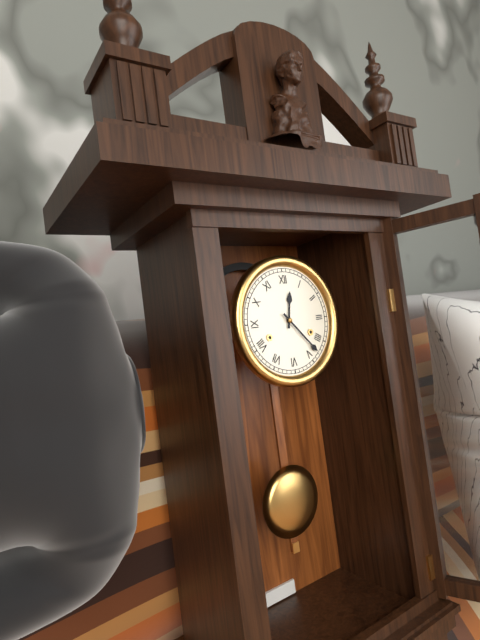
12:23
